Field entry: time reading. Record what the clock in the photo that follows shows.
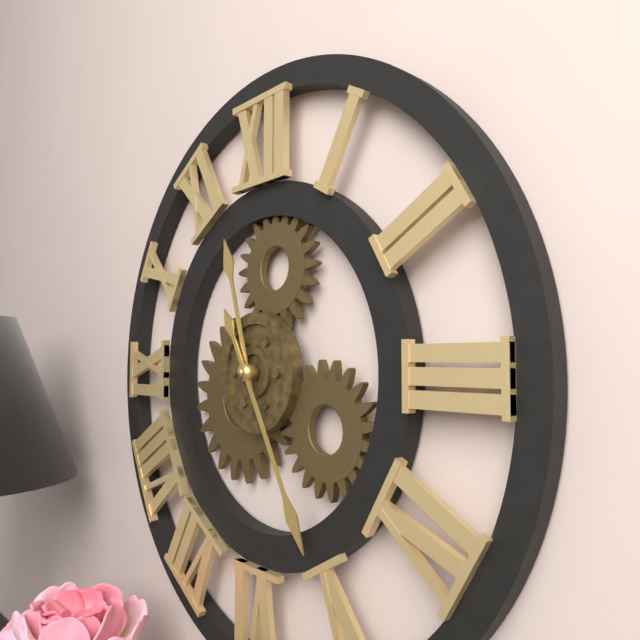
11:25
